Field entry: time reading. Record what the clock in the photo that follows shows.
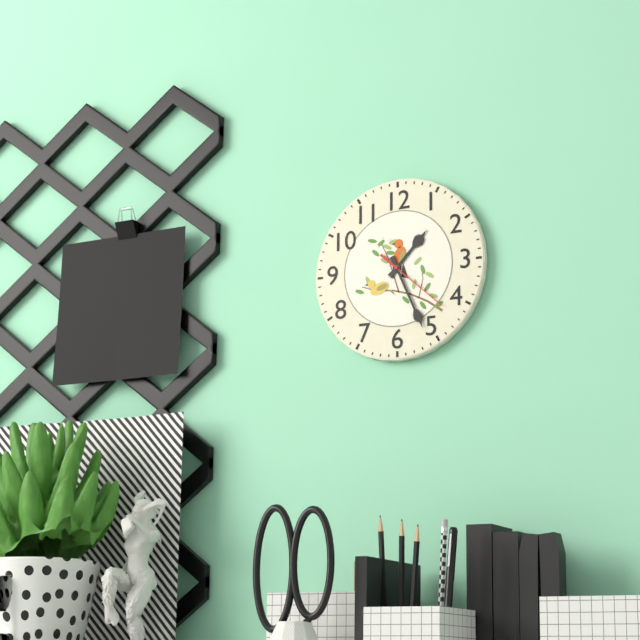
1:26:22
